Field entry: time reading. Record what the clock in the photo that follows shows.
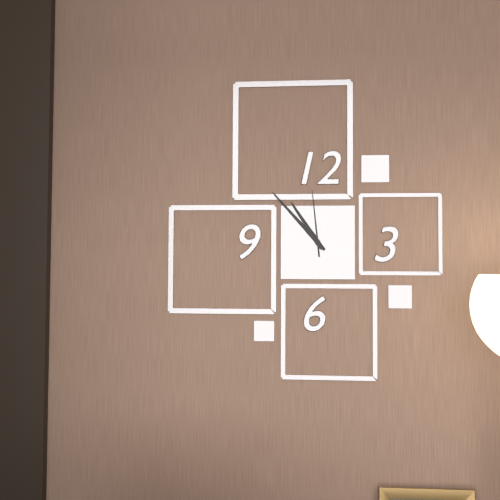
10:53:59
